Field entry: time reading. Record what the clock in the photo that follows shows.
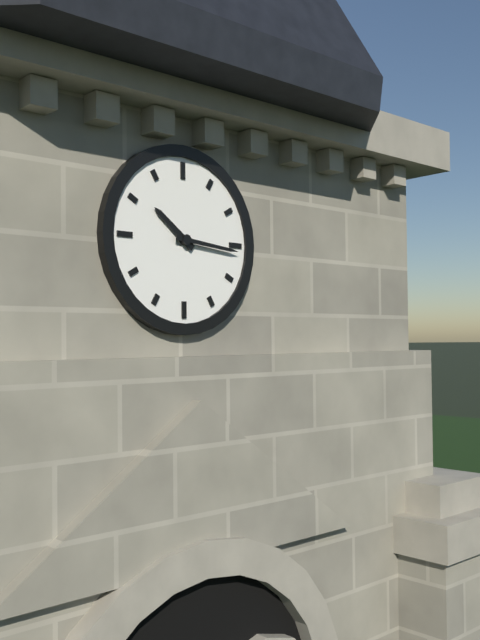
10:16
